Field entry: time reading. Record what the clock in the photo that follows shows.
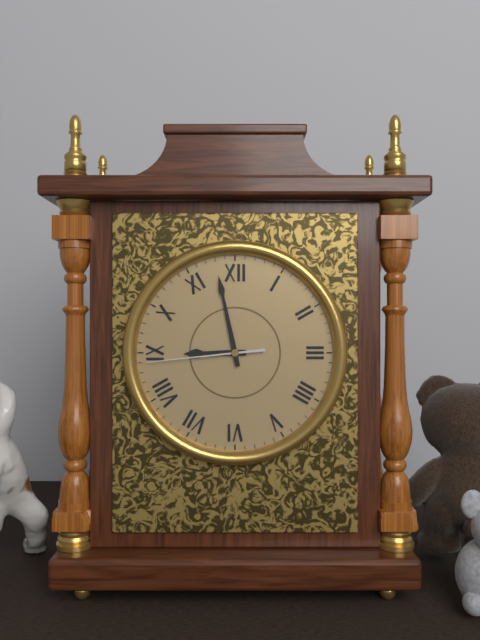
8:58:44
